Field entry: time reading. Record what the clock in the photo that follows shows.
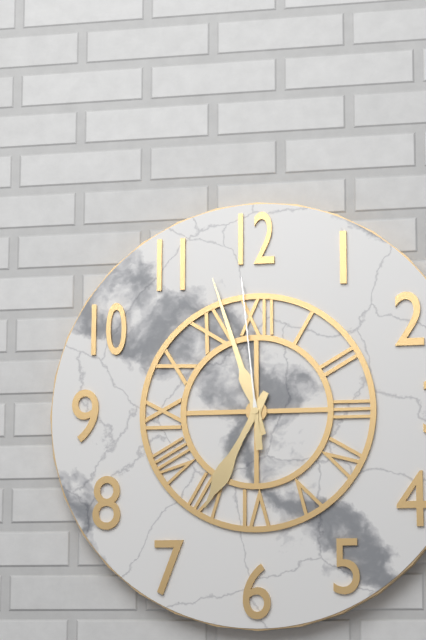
6:57:59
